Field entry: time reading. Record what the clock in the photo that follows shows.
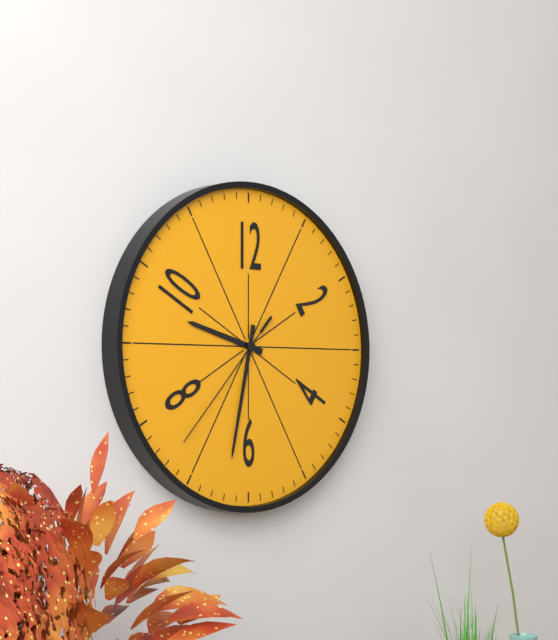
9:32:37
